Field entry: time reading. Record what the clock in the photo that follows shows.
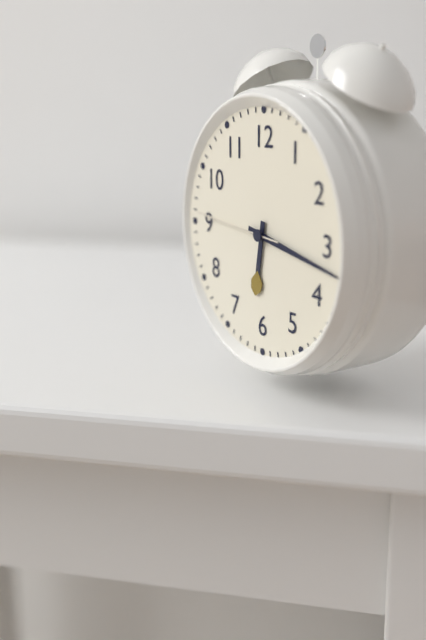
6:17:46
